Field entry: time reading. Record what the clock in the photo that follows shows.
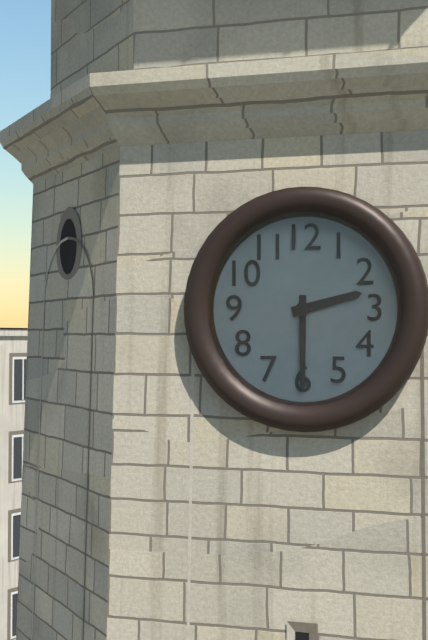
2:30
